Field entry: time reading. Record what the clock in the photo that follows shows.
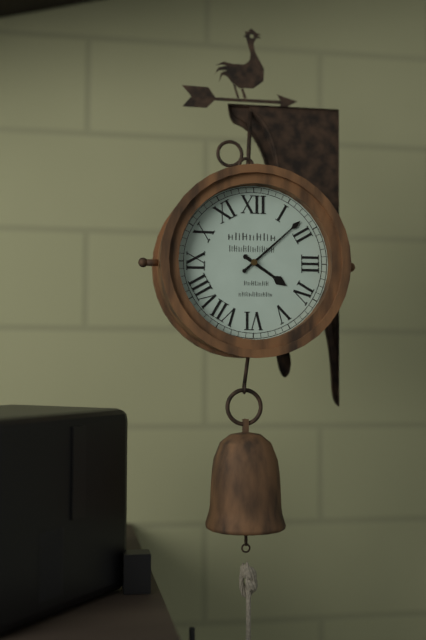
4:08
